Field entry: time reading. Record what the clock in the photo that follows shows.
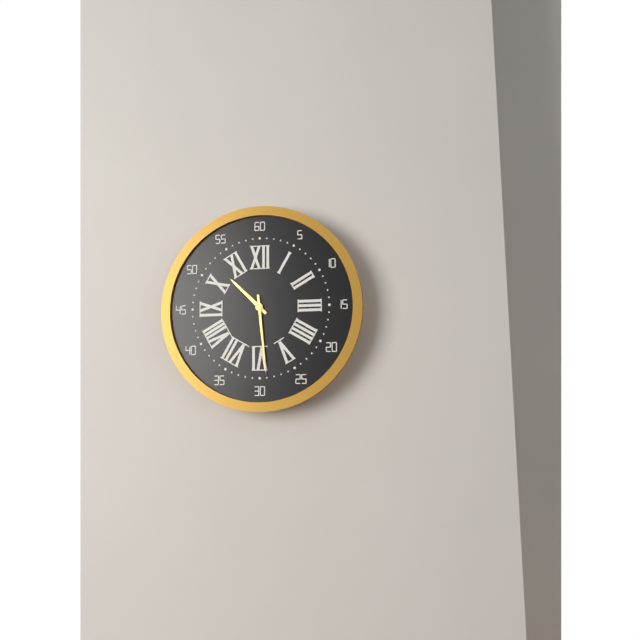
10:29
